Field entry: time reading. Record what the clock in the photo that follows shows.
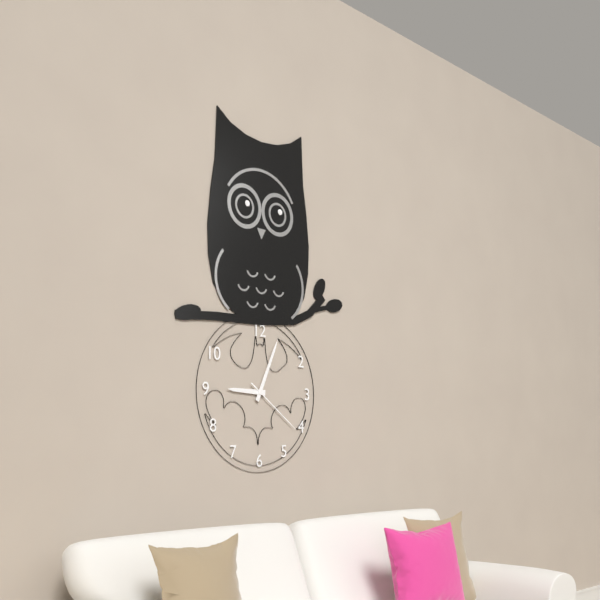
9:04:21
